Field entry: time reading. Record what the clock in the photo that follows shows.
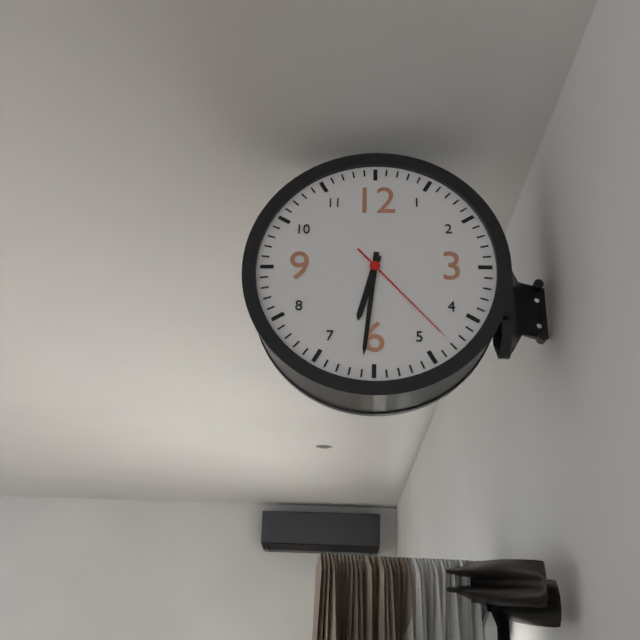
6:31:23
